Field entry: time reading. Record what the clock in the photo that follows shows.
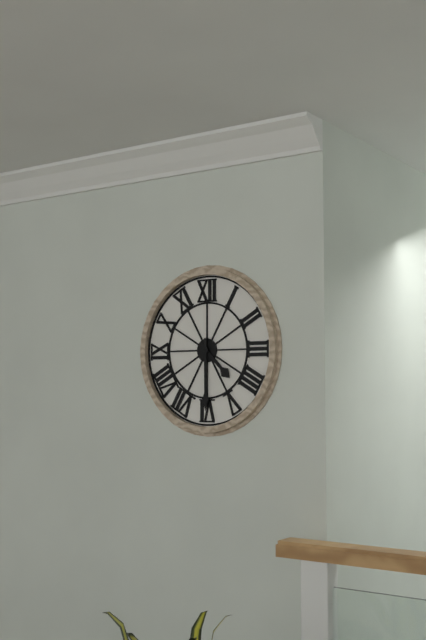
4:30
